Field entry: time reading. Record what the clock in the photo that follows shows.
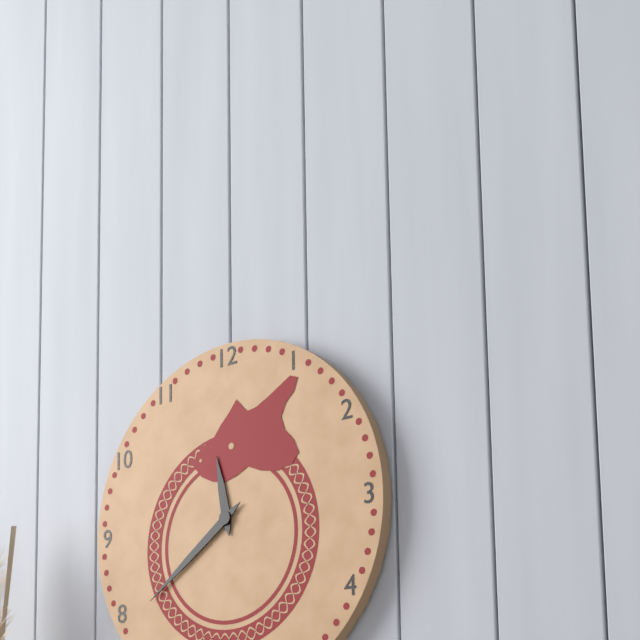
11:39
